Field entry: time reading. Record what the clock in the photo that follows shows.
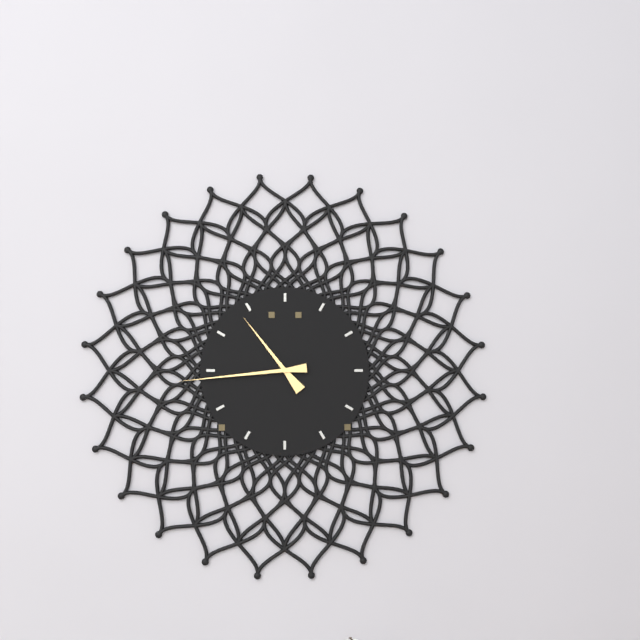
10:44
